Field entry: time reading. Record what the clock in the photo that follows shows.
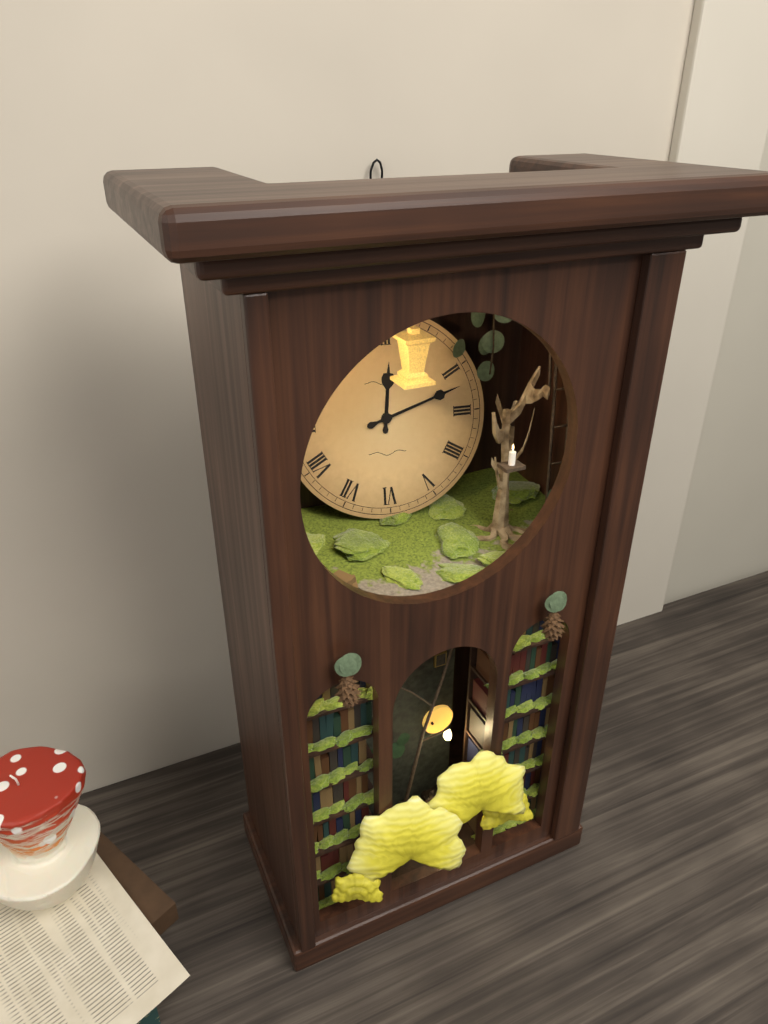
12:12
